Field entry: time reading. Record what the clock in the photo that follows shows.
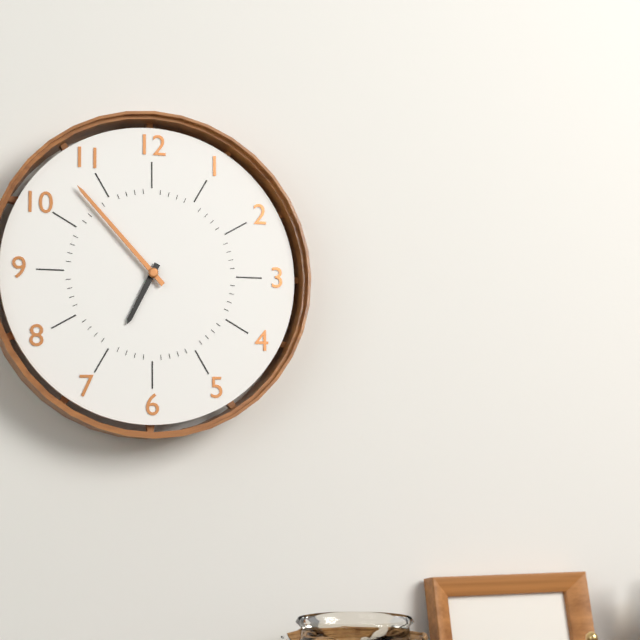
6:53
